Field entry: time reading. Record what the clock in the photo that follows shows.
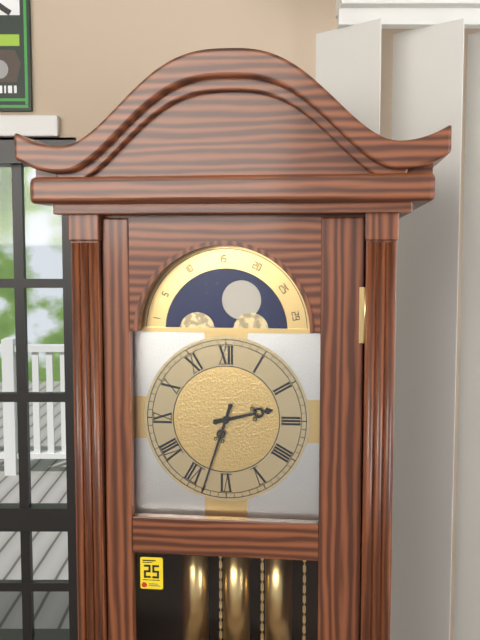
2:33
